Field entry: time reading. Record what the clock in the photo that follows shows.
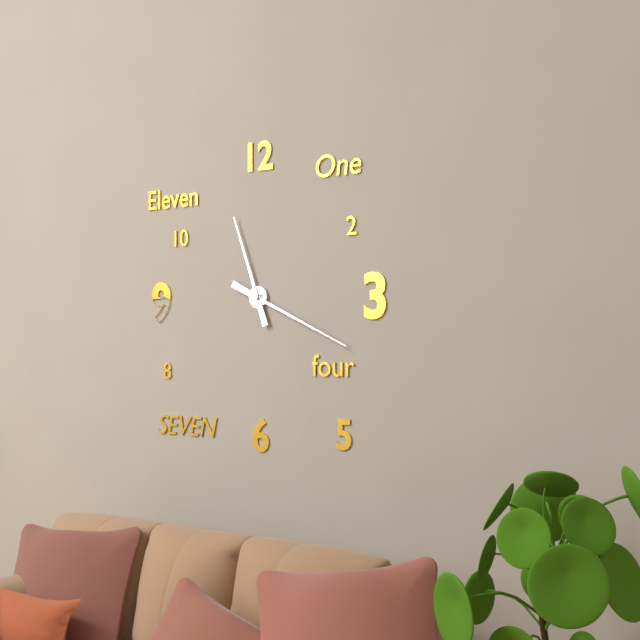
11:19
